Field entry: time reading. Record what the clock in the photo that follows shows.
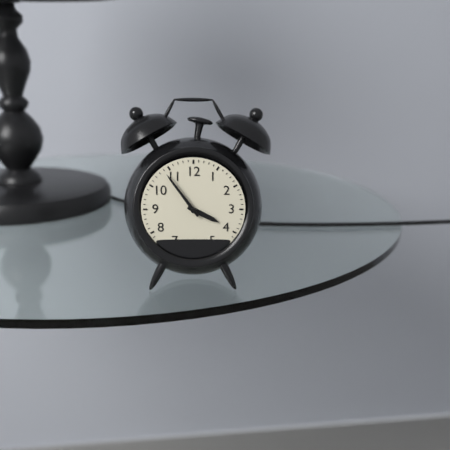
3:54
